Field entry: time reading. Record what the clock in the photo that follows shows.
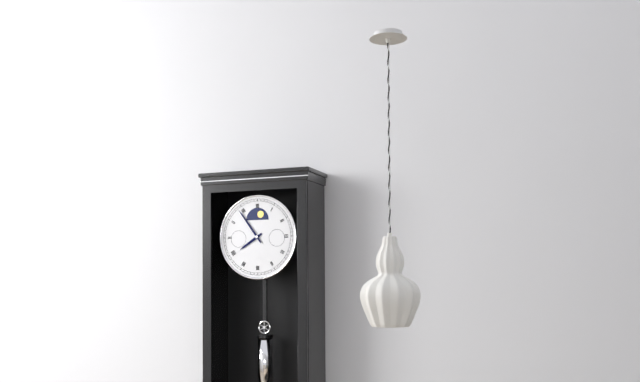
7:54
